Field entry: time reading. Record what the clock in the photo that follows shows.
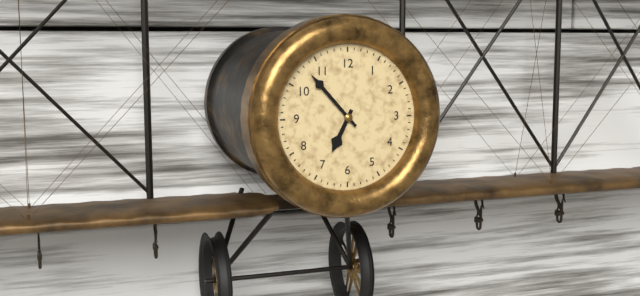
6:53
